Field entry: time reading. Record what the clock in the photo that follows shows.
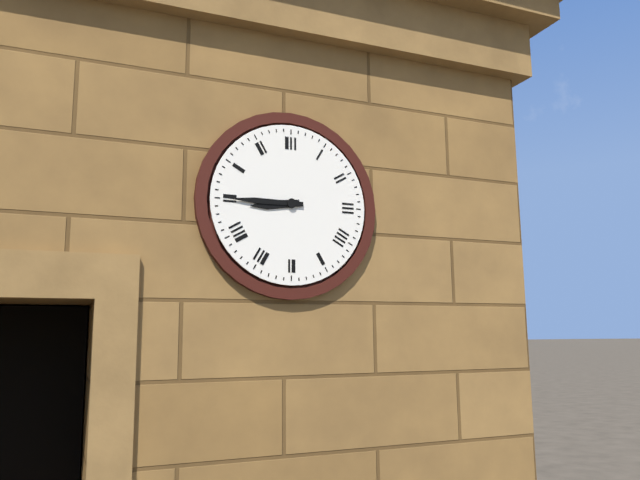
8:45
